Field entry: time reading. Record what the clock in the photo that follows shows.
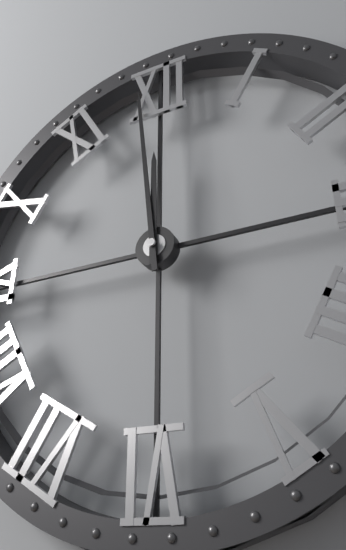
11:59
